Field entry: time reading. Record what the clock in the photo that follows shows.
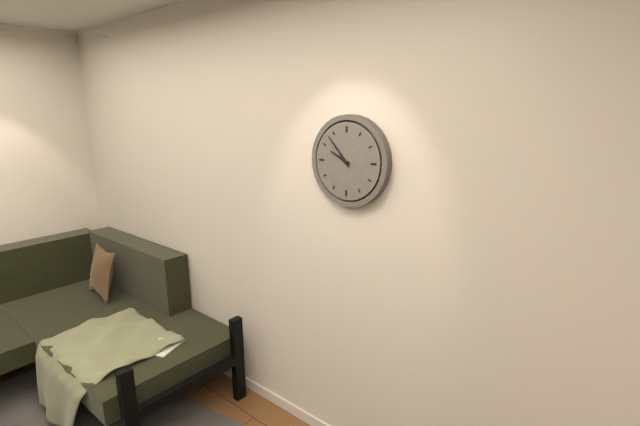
9:53
